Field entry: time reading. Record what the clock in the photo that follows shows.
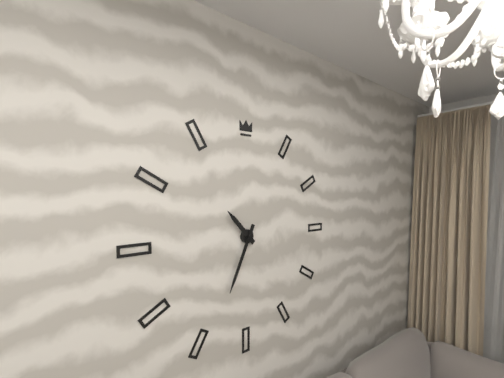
10:34
